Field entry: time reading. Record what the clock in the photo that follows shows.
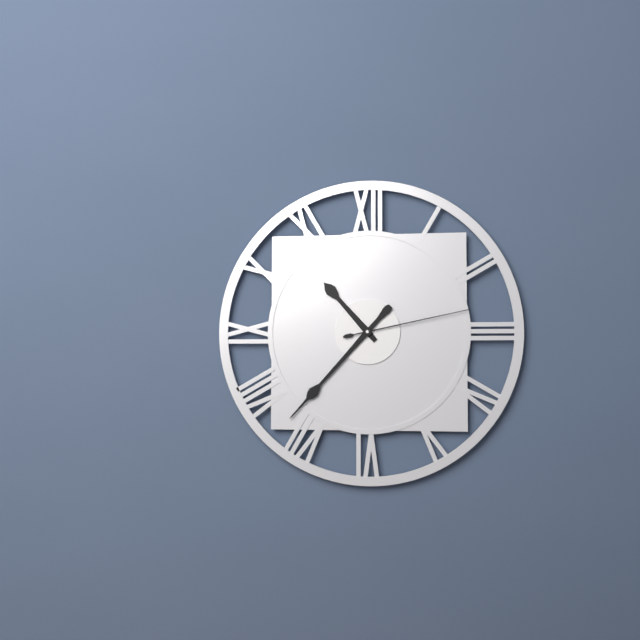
10:37:13
